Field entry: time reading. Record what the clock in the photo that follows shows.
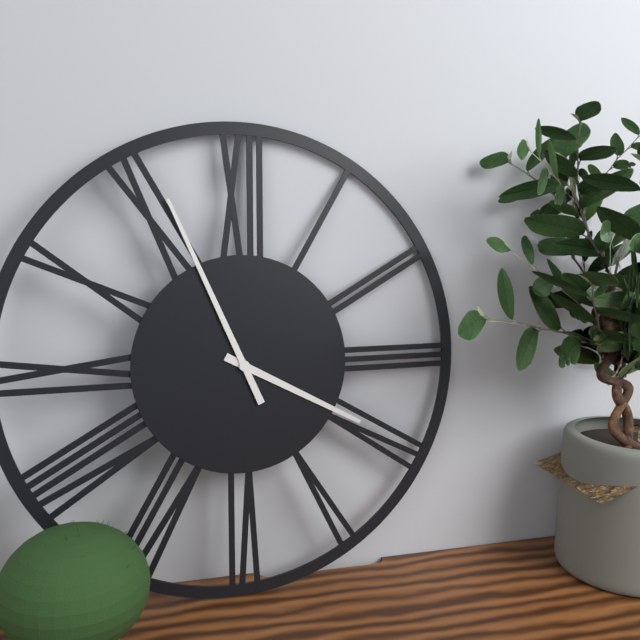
3:56
